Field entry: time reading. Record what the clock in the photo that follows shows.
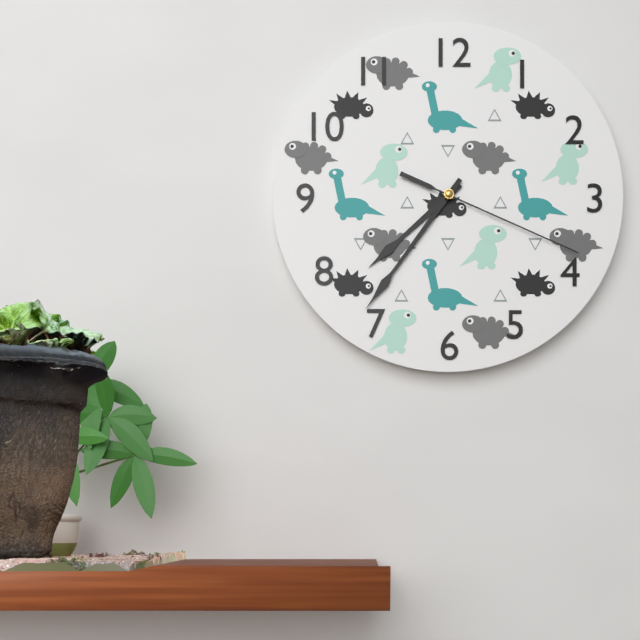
7:36:19
